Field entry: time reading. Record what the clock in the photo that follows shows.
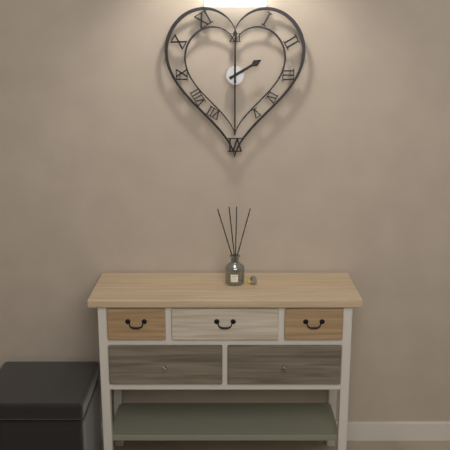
2:00
